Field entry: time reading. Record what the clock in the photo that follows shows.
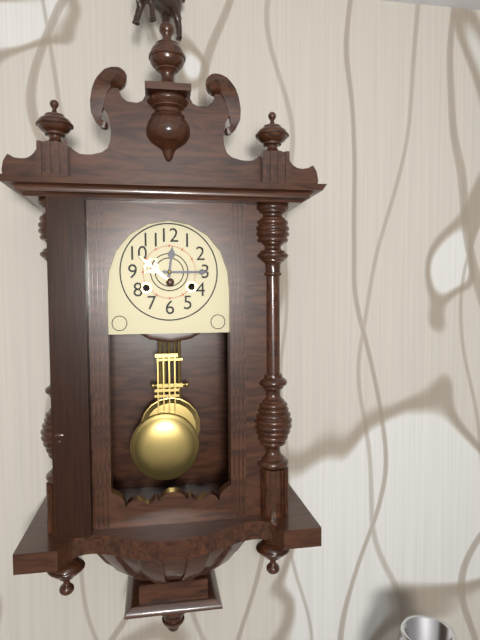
12:15
